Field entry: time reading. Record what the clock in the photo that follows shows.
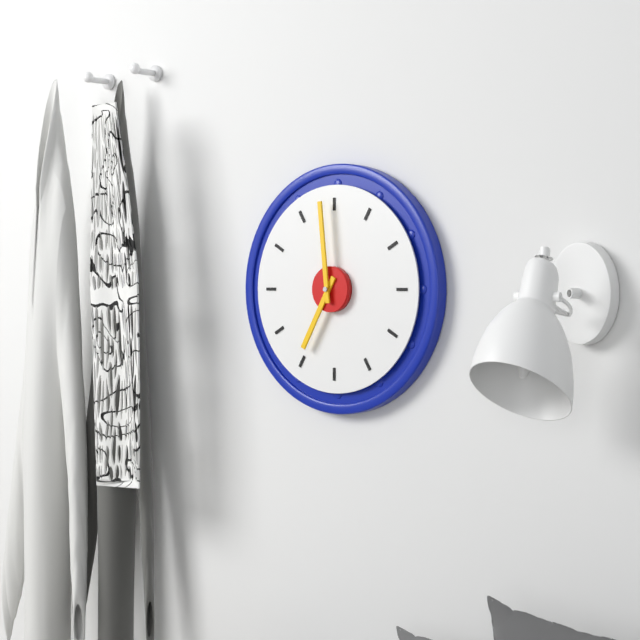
6:59
